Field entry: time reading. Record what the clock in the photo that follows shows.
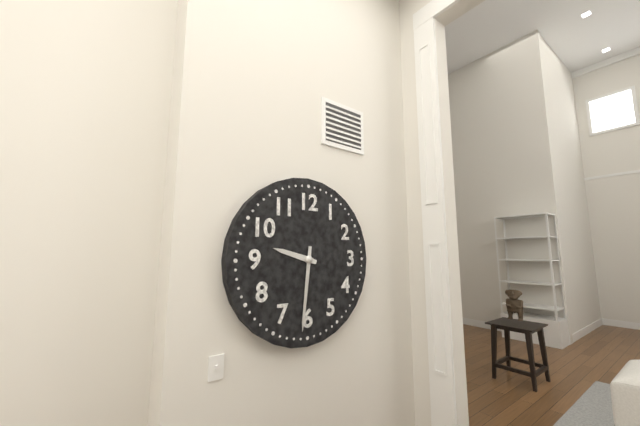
9:31
